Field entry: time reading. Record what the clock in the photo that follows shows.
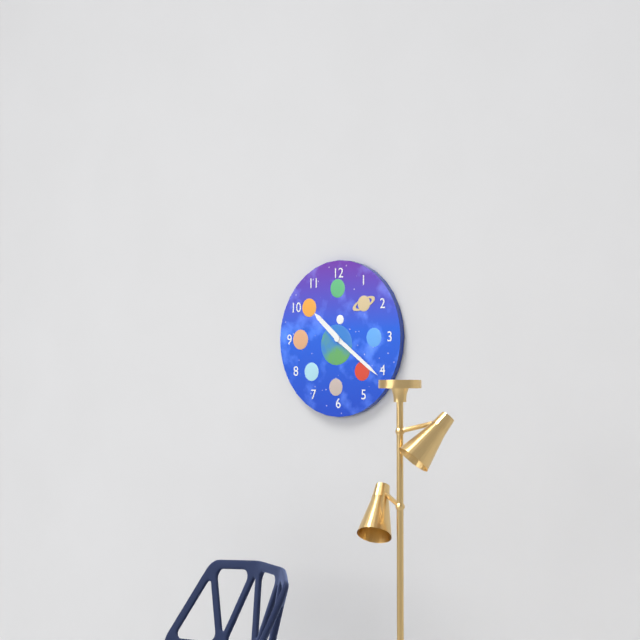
10:21
